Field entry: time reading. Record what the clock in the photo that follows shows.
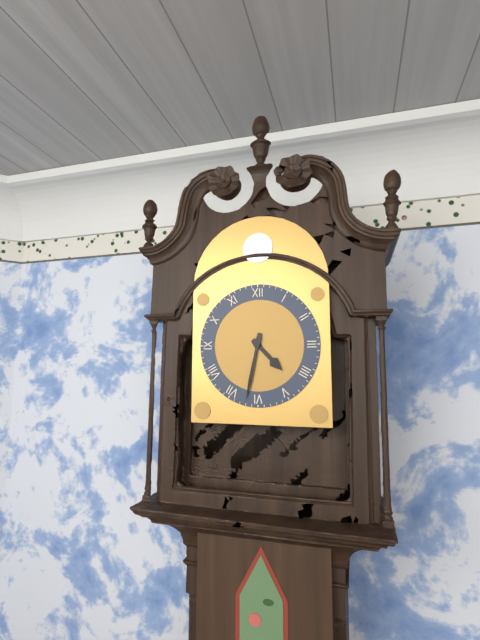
4:32
